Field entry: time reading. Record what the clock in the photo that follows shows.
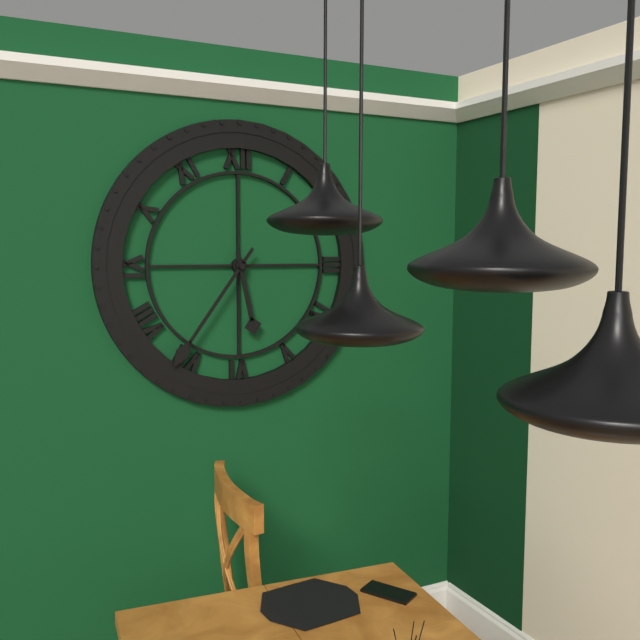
5:36
